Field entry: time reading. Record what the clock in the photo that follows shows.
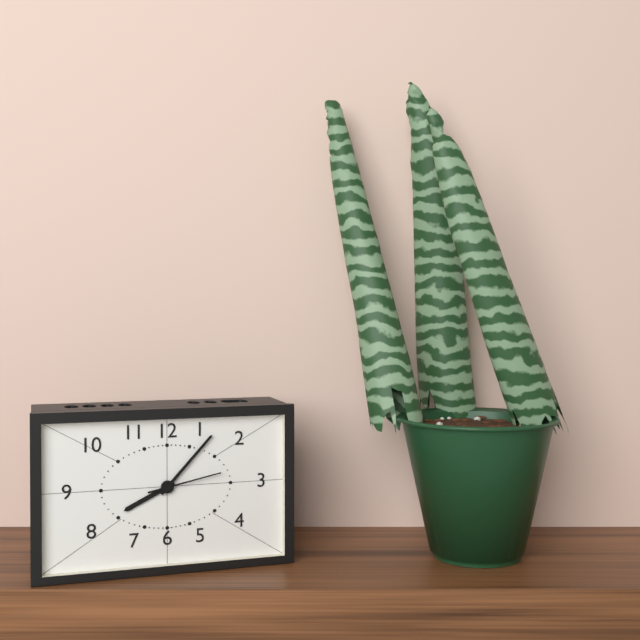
8:07:13
